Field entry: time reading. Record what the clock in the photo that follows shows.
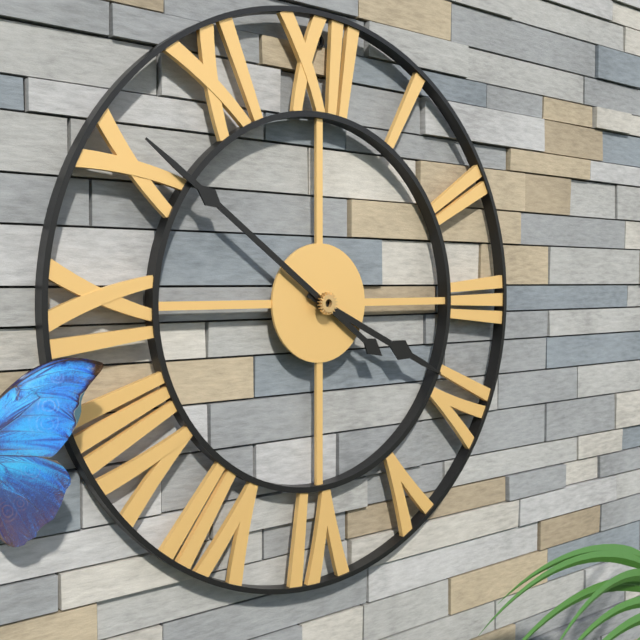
3:51
